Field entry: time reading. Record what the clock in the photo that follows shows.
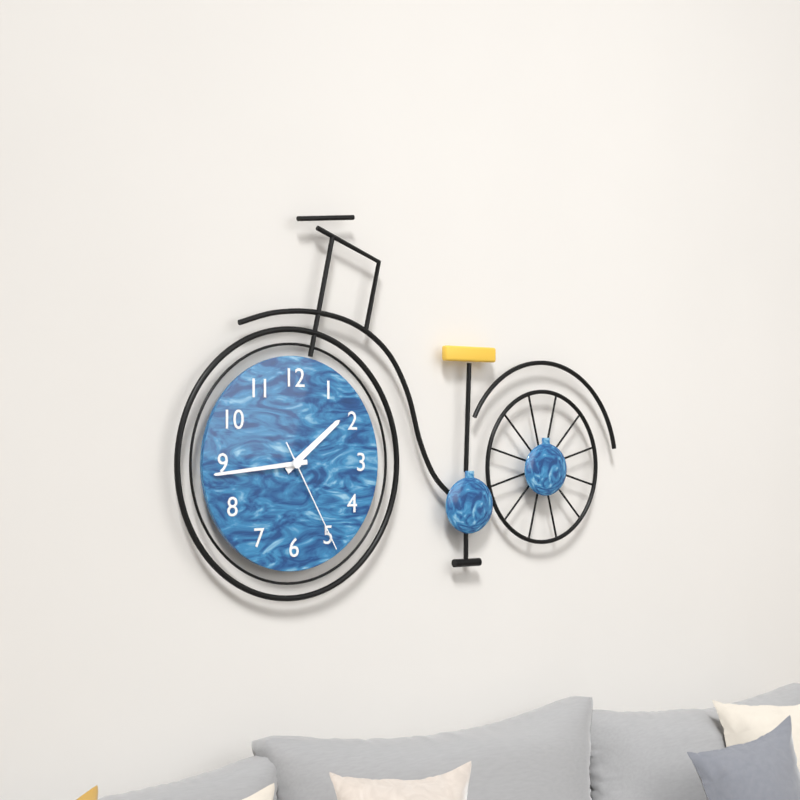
1:44:25
